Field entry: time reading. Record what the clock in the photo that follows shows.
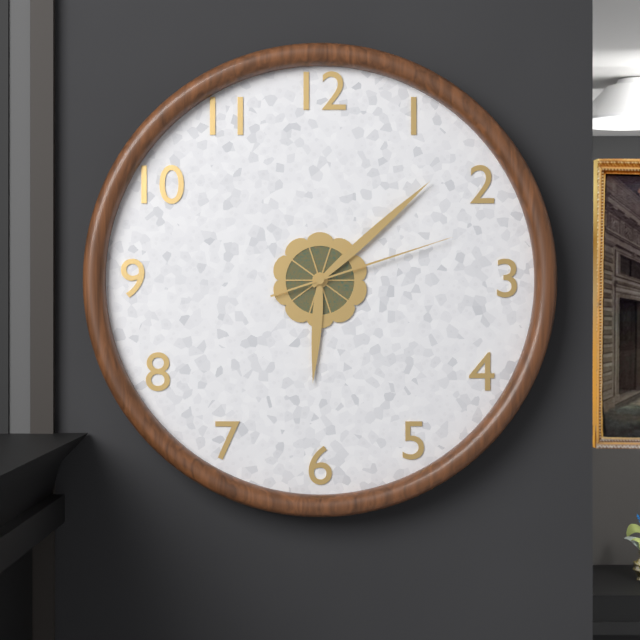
6:08:12
